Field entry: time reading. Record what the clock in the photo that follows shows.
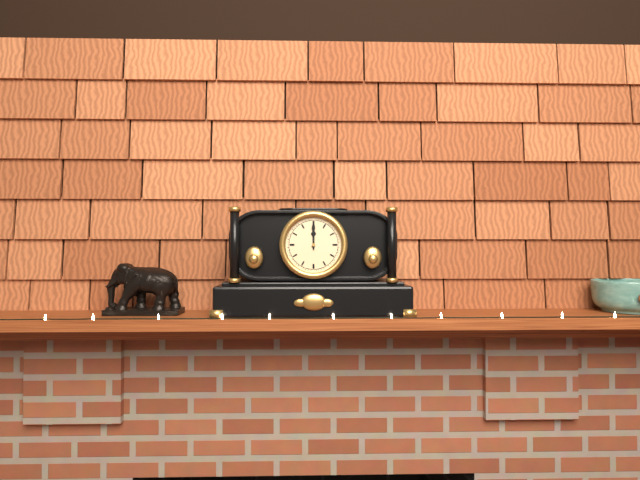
12:00
